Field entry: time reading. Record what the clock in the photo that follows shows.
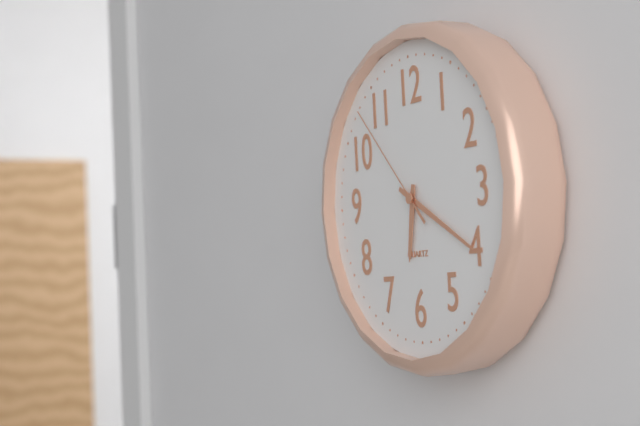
6:20:53
